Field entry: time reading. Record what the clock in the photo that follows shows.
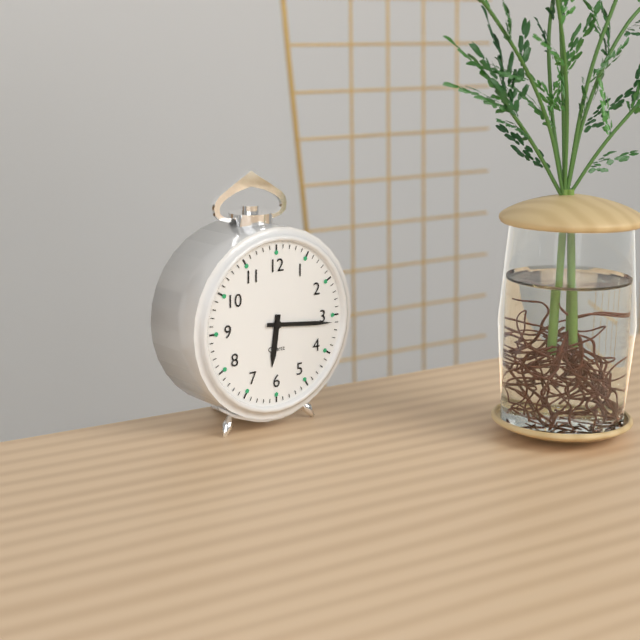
6:16
